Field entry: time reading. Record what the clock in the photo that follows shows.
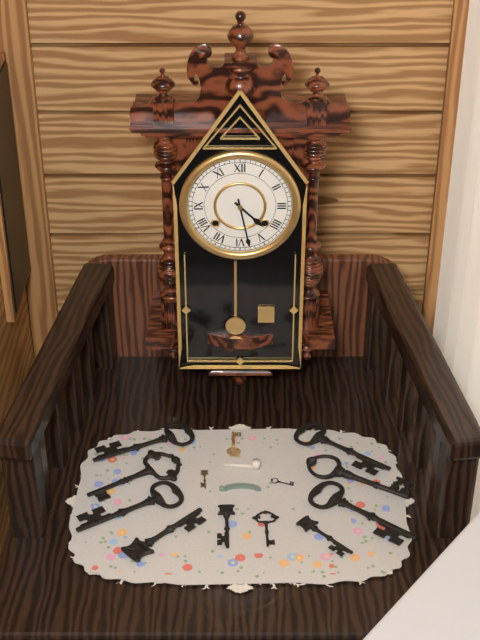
4:28
